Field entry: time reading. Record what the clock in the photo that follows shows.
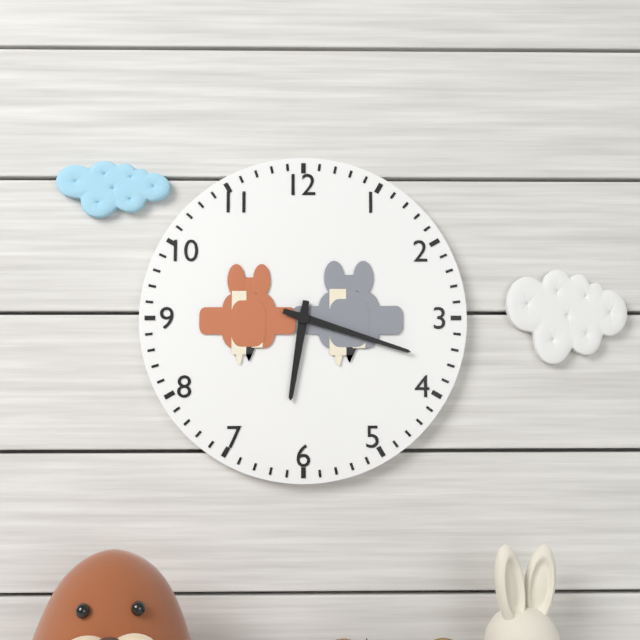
6:18
